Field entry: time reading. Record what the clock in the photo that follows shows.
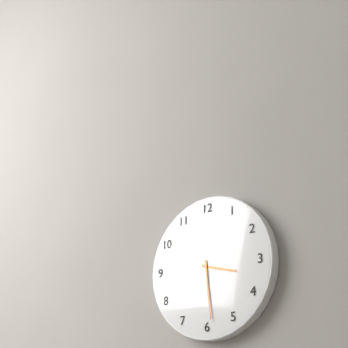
3:29
